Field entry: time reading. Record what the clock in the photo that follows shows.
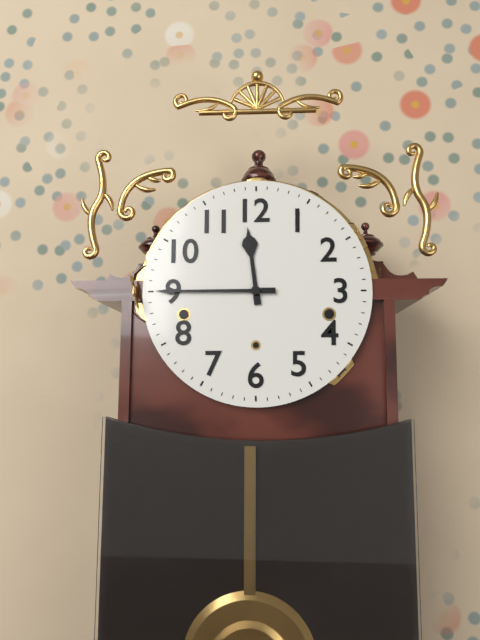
11:45
